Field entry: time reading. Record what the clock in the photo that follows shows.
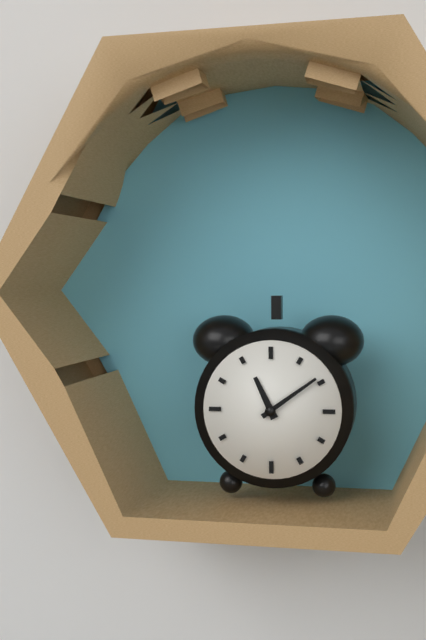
11:09
